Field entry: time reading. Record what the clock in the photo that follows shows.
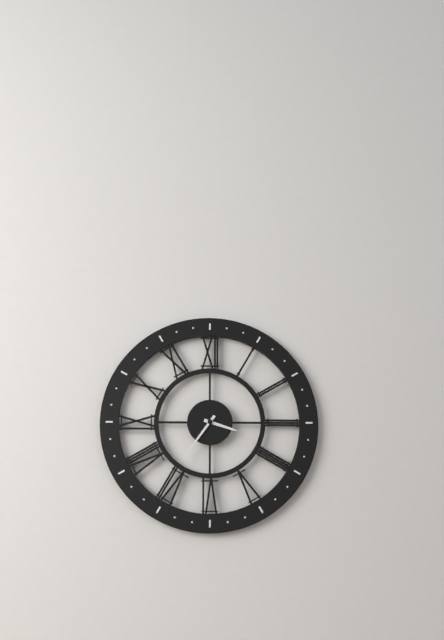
3:36
